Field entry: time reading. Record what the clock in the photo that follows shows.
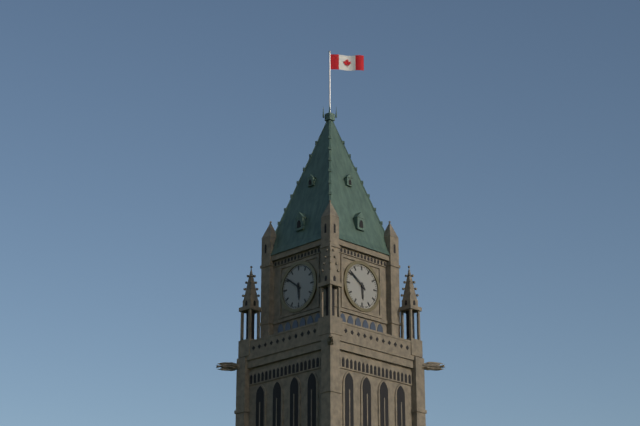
5:51
